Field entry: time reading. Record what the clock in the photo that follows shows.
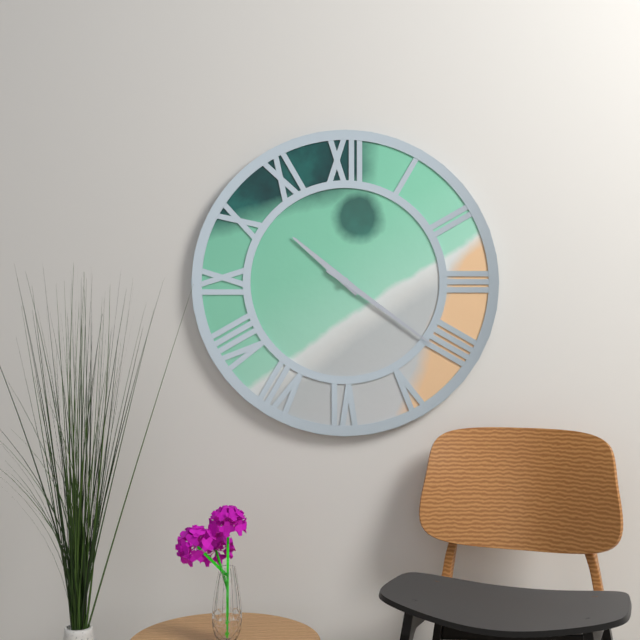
10:21
